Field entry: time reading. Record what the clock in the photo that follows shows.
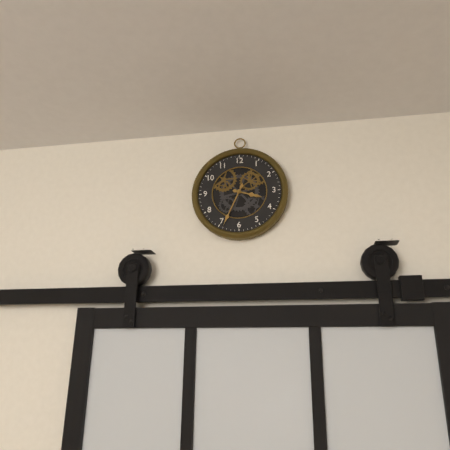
3:34
